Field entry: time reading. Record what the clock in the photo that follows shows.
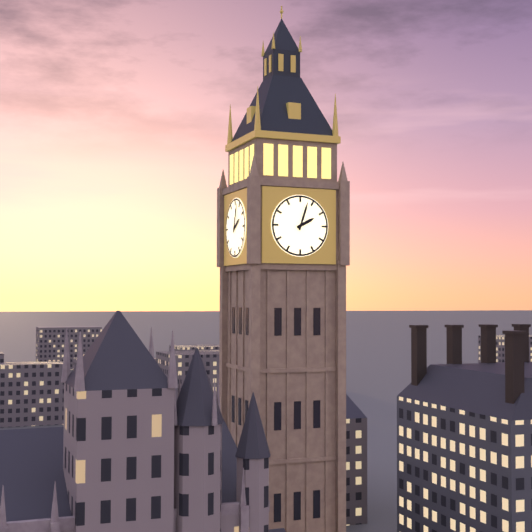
2:03
